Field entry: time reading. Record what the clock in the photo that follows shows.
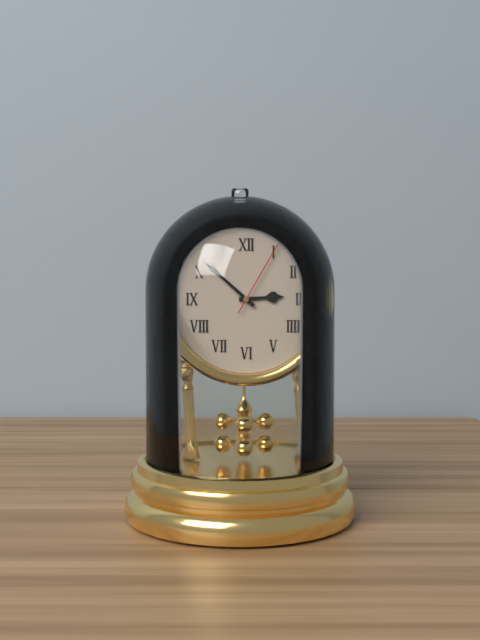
2:52:05
